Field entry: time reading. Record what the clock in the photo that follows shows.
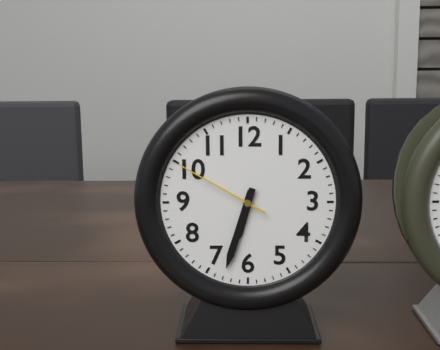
6:33:50
